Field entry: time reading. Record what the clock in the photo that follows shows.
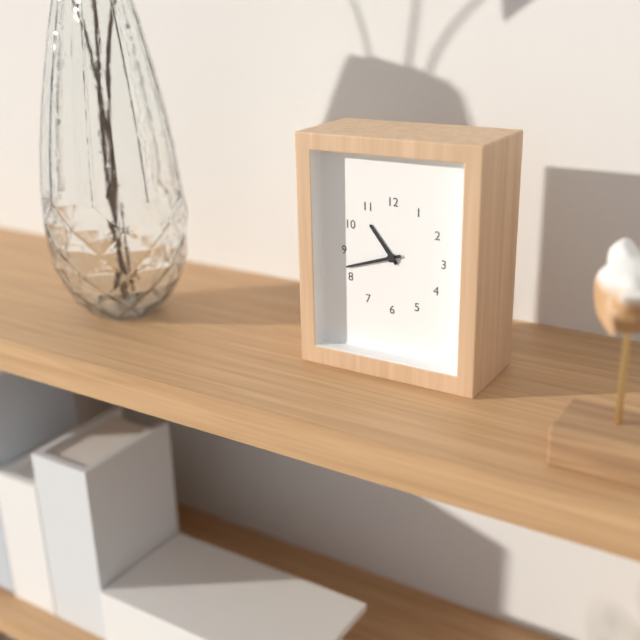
10:42
